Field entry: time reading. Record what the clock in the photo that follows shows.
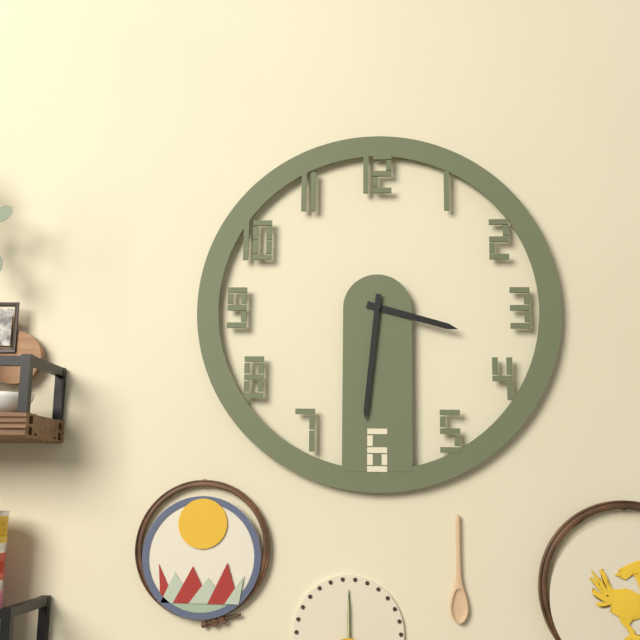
3:31
